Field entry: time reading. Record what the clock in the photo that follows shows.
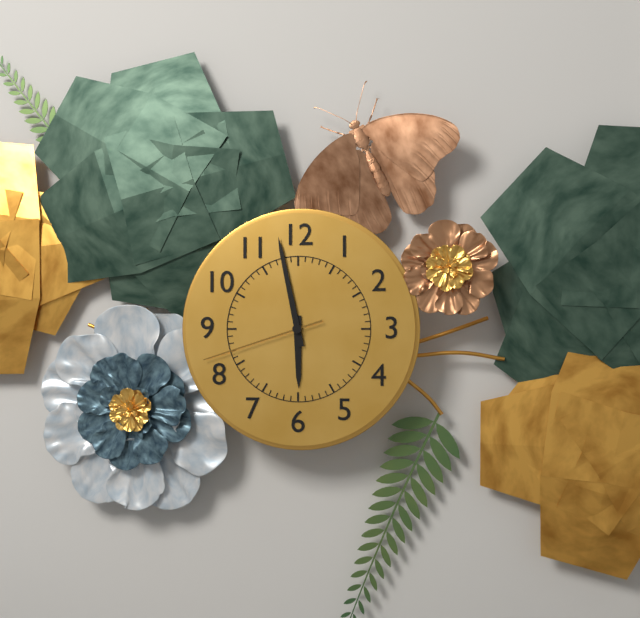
5:58:42
